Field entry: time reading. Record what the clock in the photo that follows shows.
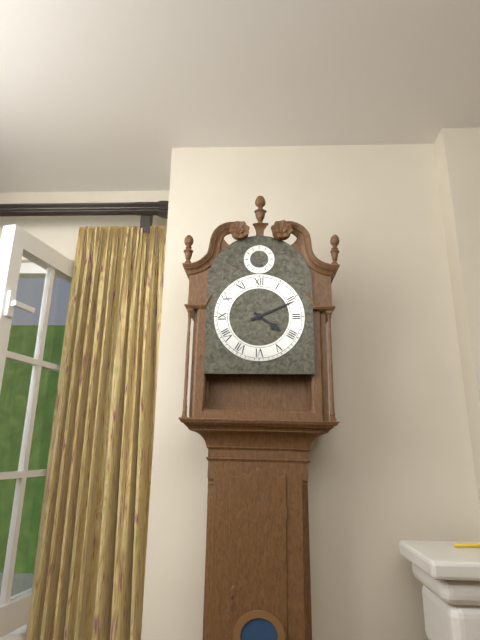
4:11
